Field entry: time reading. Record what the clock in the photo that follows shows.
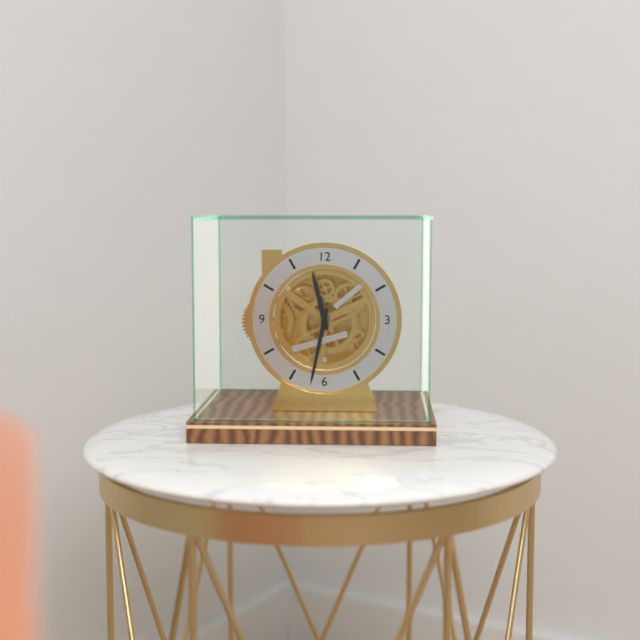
11:32
